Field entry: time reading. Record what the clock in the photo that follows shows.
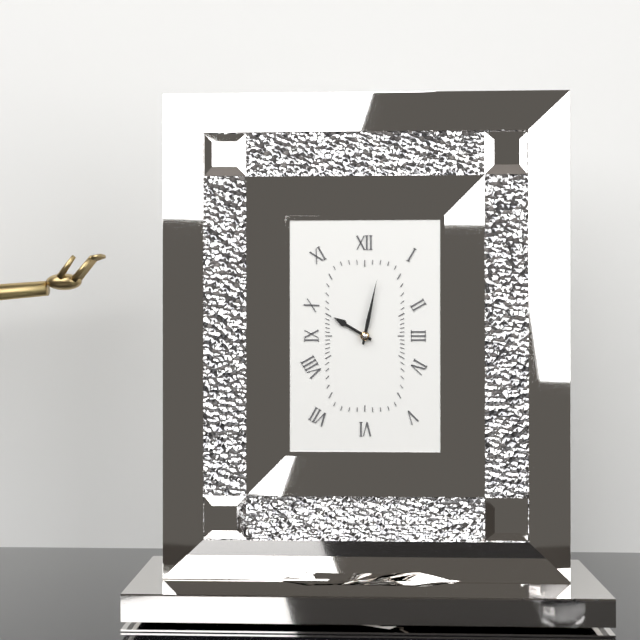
10:02
